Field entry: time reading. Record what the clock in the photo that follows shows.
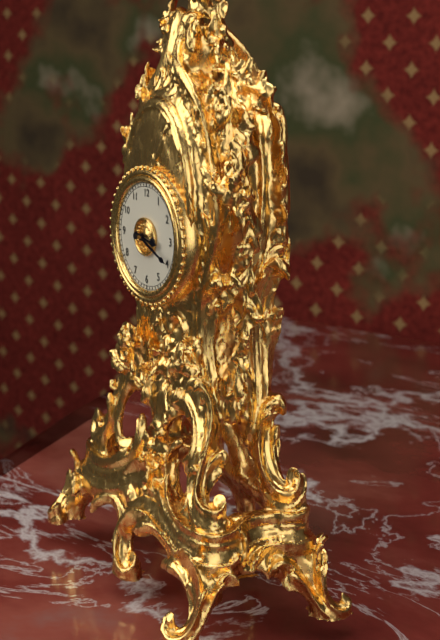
3:19
